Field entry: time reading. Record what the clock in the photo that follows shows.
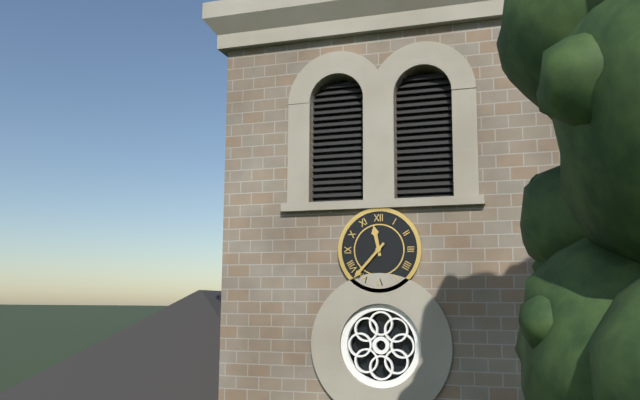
11:37
